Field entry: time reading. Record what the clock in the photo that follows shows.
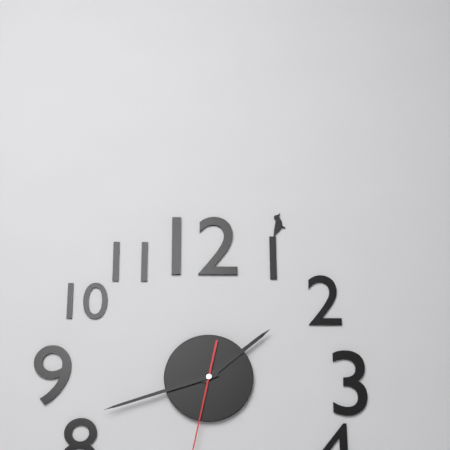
1:42
